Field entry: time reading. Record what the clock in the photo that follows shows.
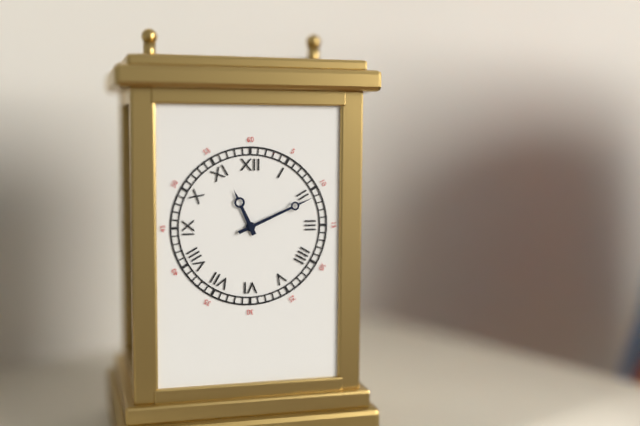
11:11
